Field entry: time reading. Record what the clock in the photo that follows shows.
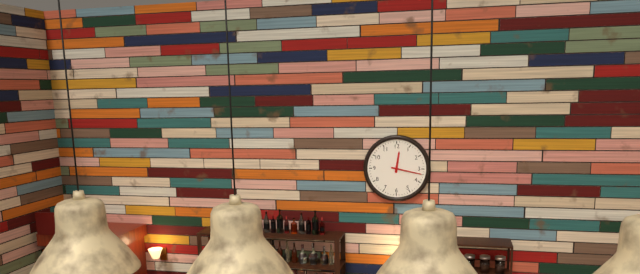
12:17
